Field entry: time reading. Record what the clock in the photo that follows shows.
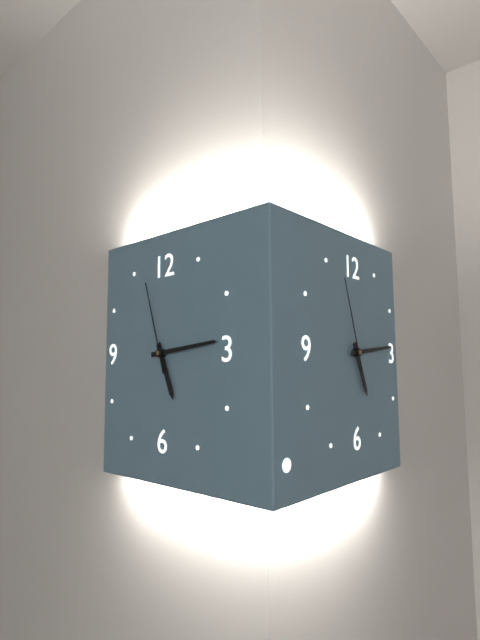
5:14:57
